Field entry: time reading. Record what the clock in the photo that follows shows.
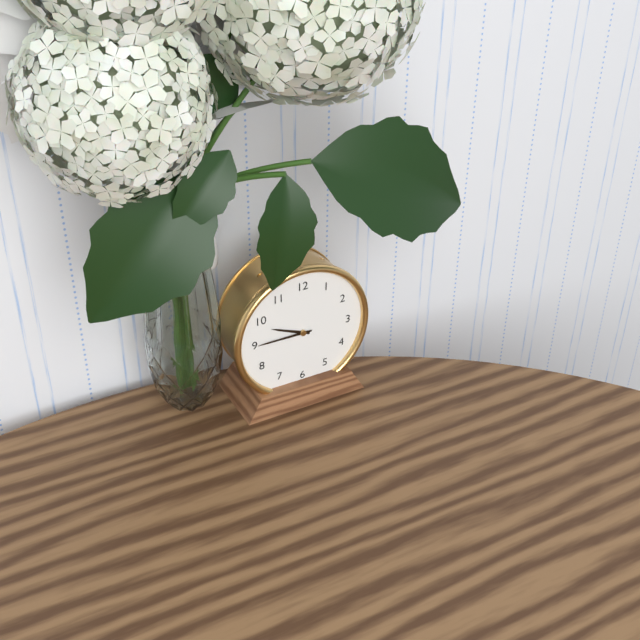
9:45
